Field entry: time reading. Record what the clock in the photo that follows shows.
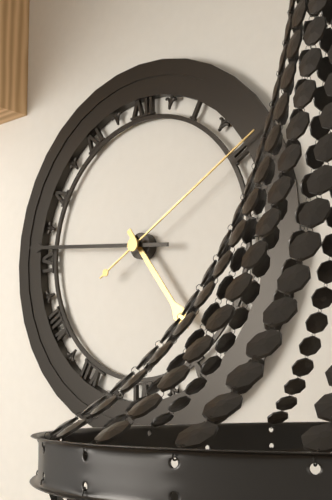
4:46:10
